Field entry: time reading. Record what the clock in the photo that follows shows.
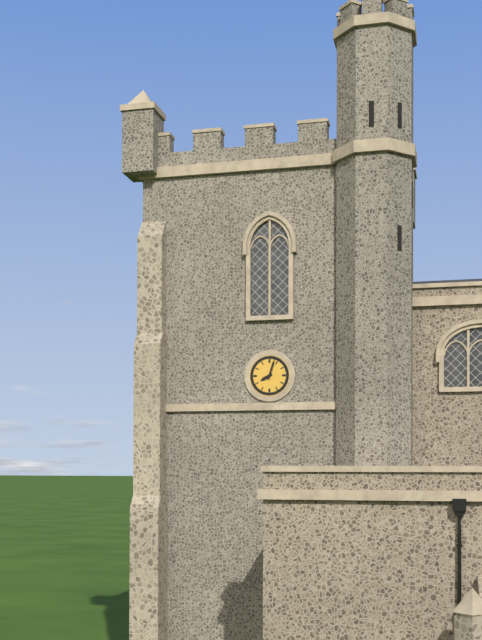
8:03
